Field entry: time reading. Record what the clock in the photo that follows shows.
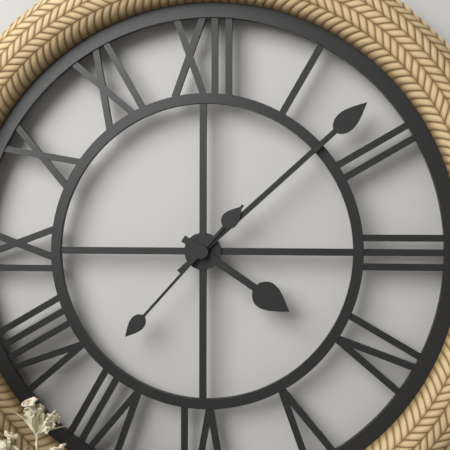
4:08:37
